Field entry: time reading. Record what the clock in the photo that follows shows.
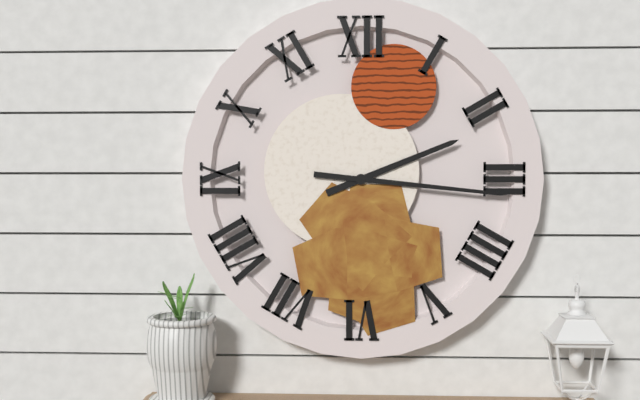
2:16
